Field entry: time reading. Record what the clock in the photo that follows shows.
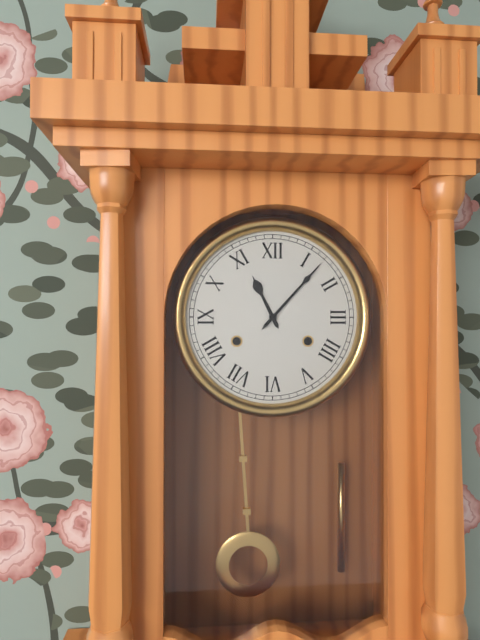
11:07
